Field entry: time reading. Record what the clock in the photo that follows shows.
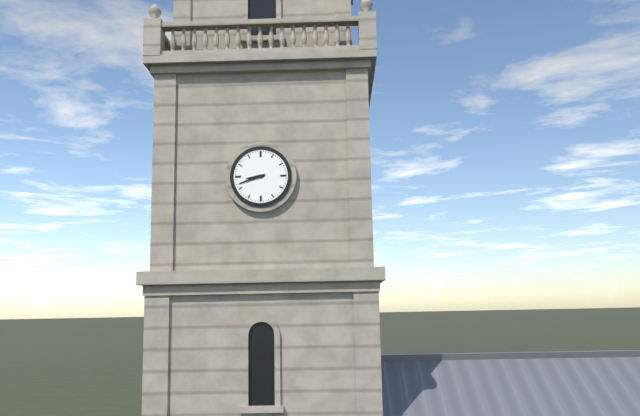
8:42
